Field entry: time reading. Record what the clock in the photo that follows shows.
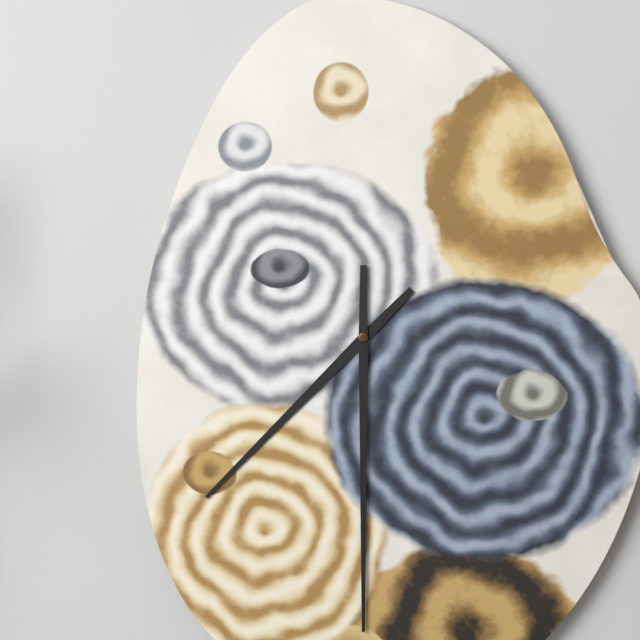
7:30
